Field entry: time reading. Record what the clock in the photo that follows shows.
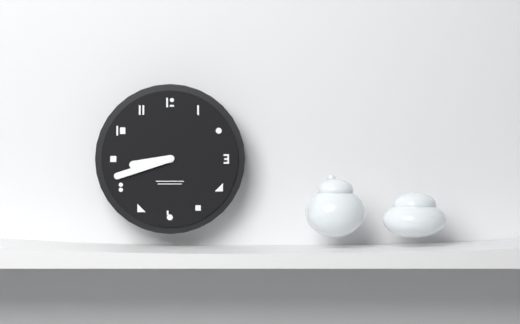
8:42
